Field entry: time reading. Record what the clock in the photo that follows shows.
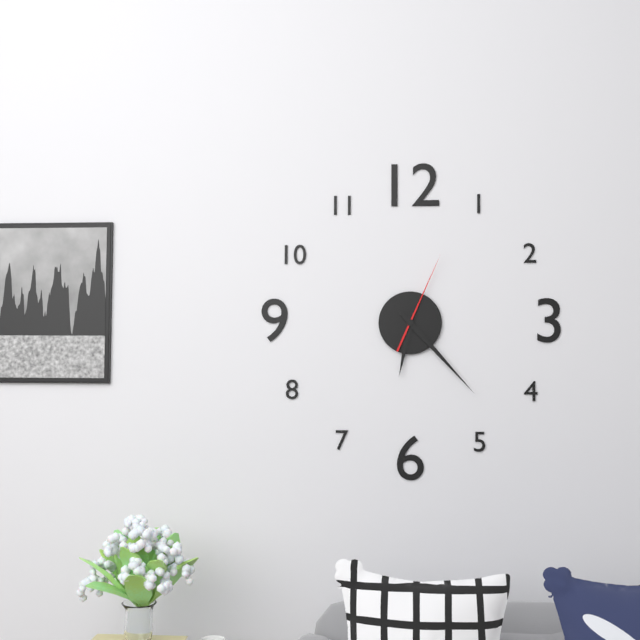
6:23:04
